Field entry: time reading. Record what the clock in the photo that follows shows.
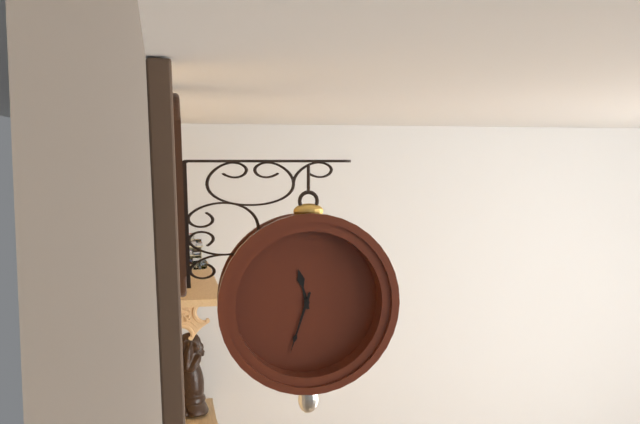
11:33
